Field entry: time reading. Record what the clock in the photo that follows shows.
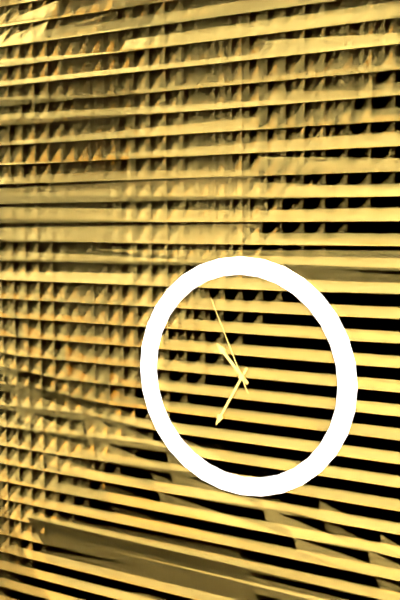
10:35:56
